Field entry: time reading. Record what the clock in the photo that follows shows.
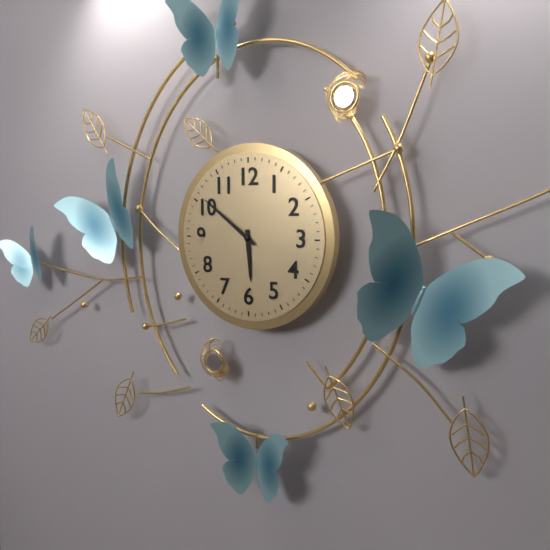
5:51
